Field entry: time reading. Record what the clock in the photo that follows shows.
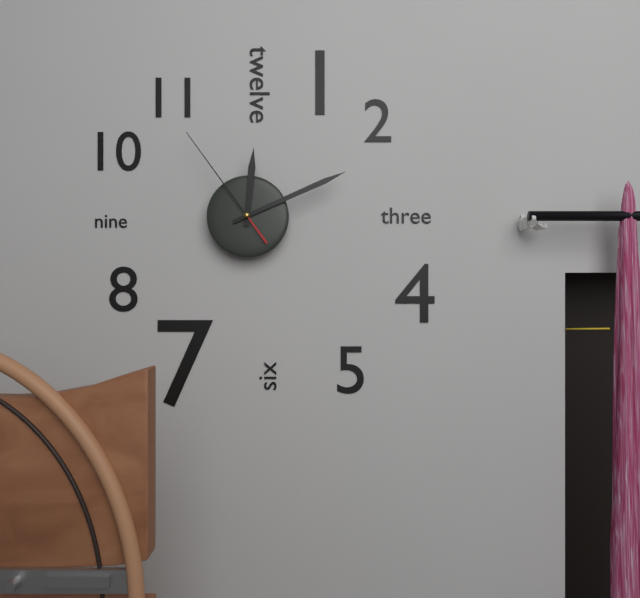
12:11:54
